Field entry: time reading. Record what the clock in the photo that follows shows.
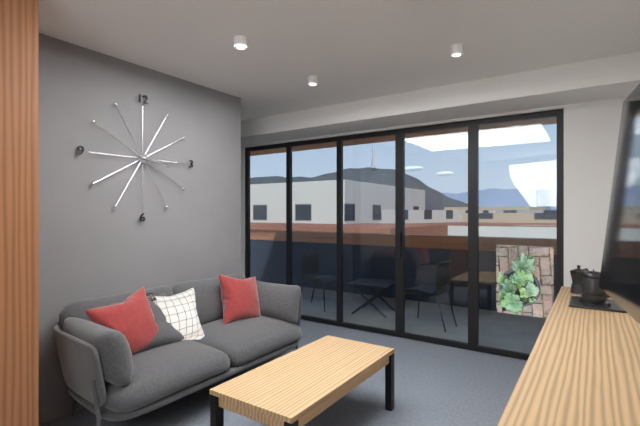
3:17
